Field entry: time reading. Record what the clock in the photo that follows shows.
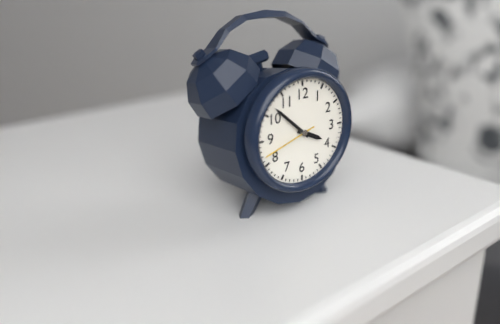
3:52:42
